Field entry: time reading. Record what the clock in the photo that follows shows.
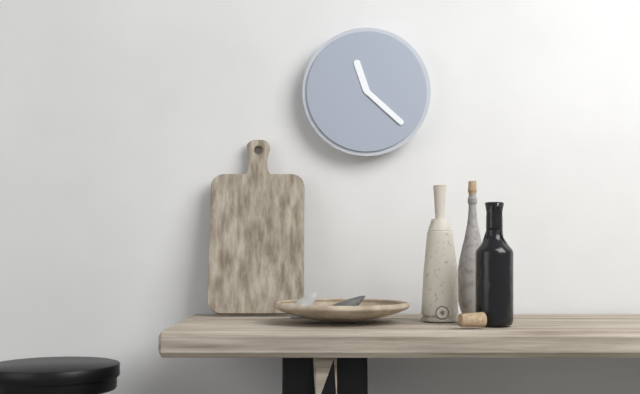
11:22
